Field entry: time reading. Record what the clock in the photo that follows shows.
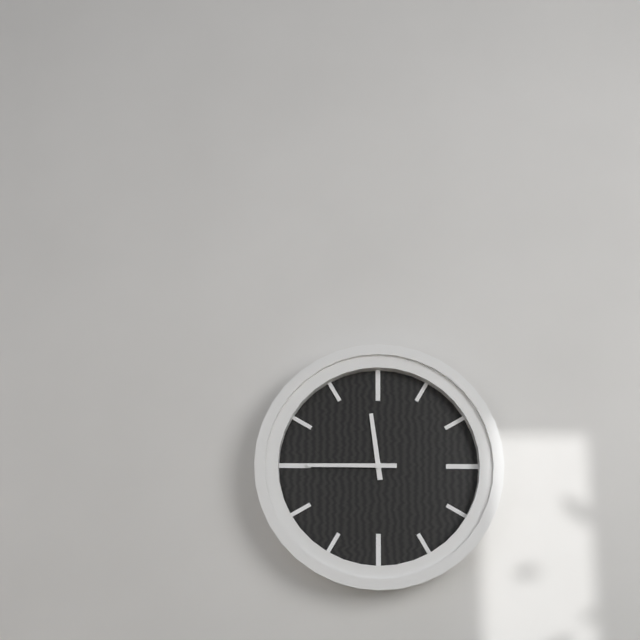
11:45
